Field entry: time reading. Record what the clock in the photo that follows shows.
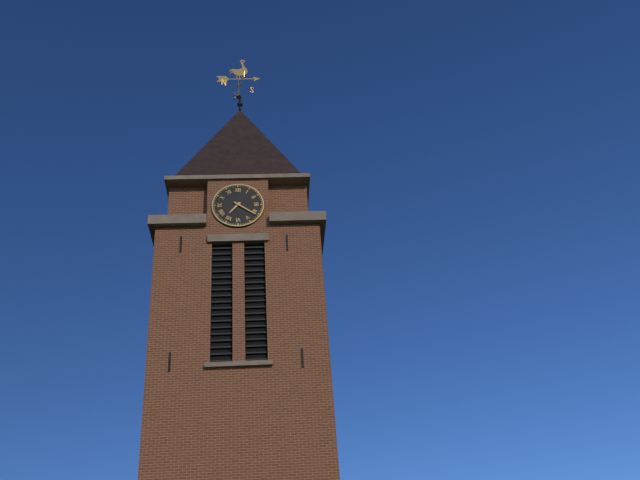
7:21
